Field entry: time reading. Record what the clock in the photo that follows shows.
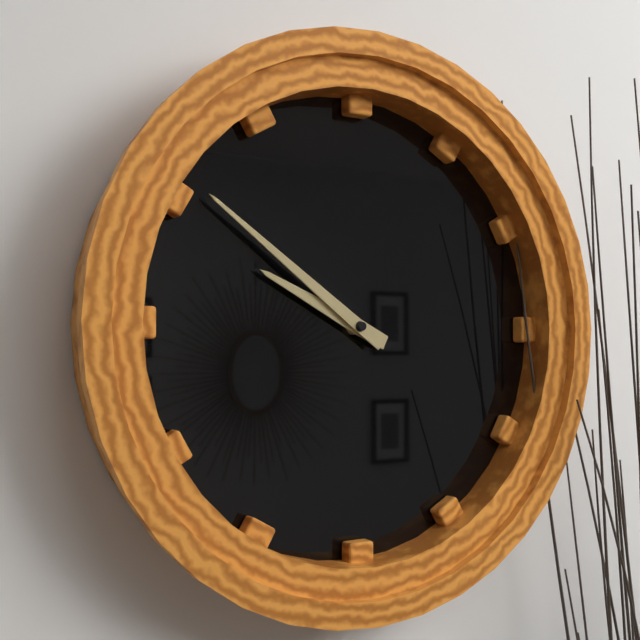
9:51
